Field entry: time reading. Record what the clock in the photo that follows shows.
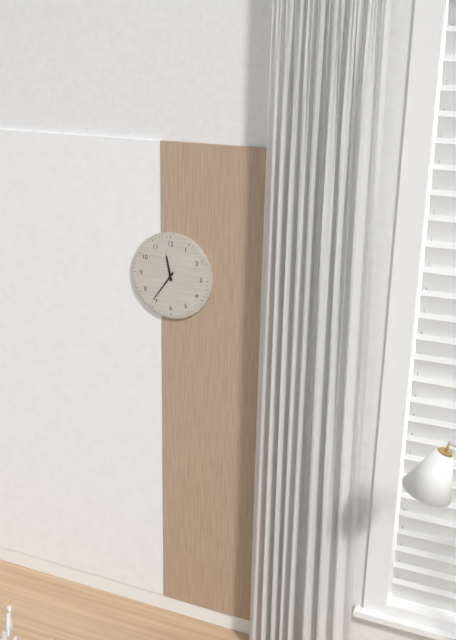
11:36
